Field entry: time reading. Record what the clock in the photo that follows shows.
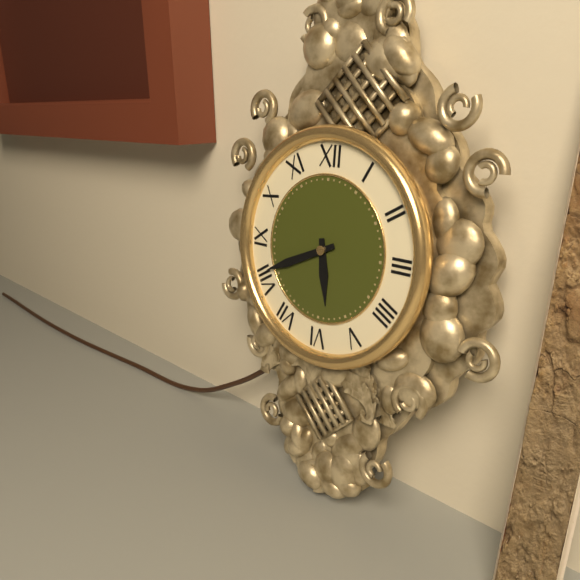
5:41
